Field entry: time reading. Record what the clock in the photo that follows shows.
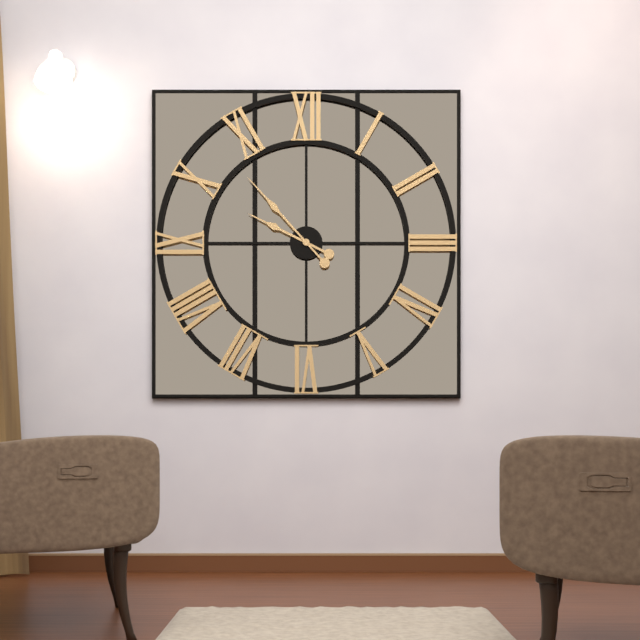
9:53
